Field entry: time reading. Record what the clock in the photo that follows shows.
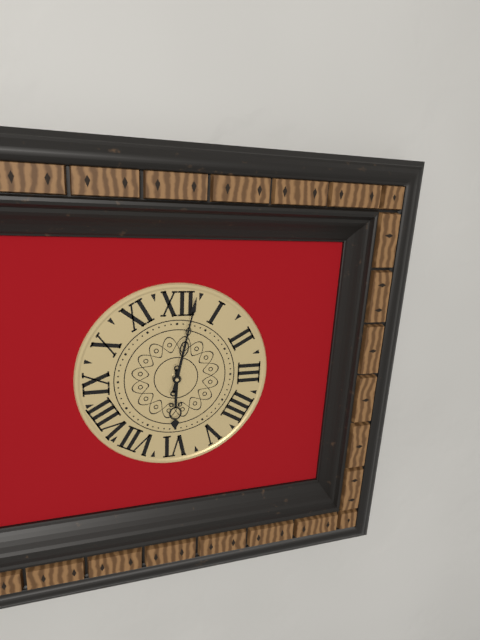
6:02
